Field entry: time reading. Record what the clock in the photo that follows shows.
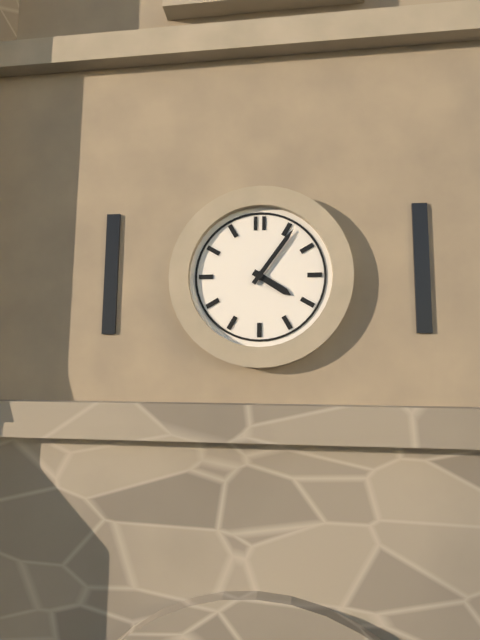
4:06
